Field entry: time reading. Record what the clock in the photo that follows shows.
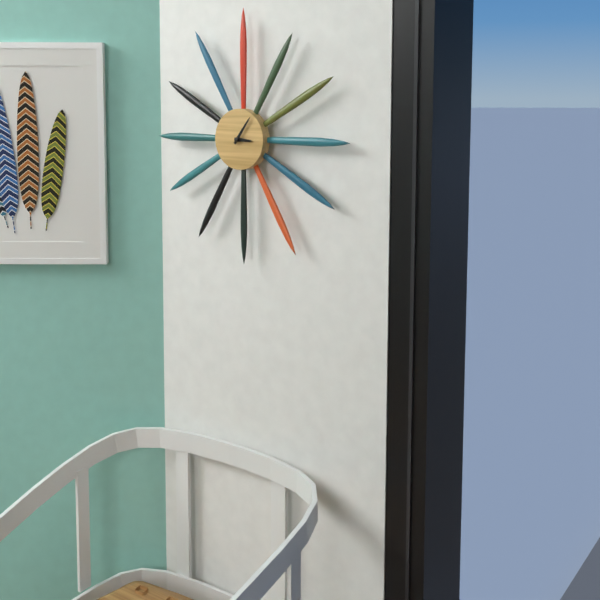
3:06
